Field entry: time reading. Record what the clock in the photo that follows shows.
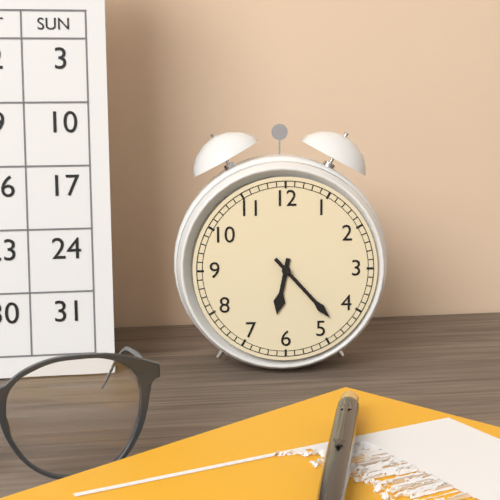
6:23
